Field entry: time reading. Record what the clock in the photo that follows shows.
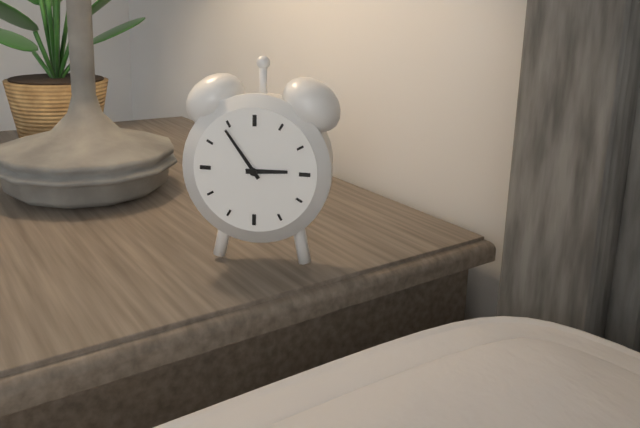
2:54
